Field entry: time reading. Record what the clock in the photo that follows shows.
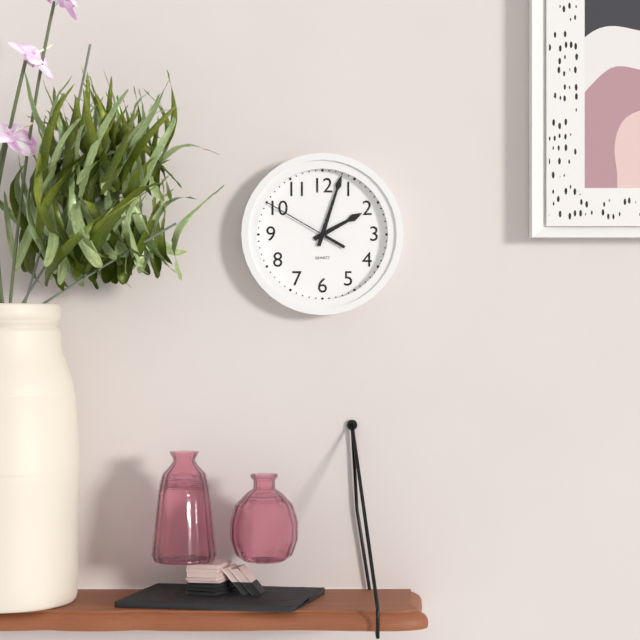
2:03:50
